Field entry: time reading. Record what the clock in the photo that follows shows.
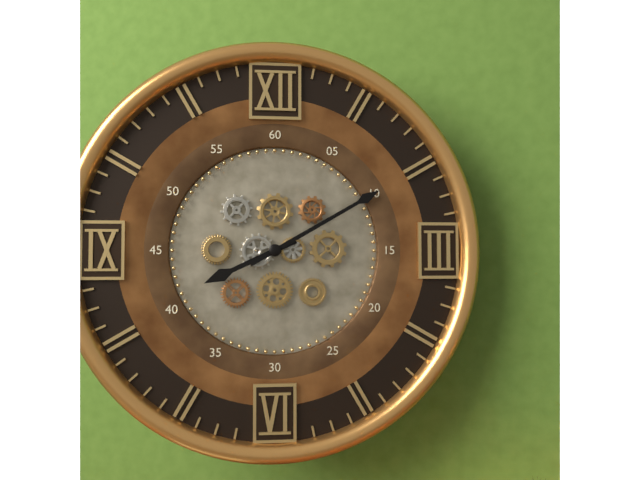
8:10
